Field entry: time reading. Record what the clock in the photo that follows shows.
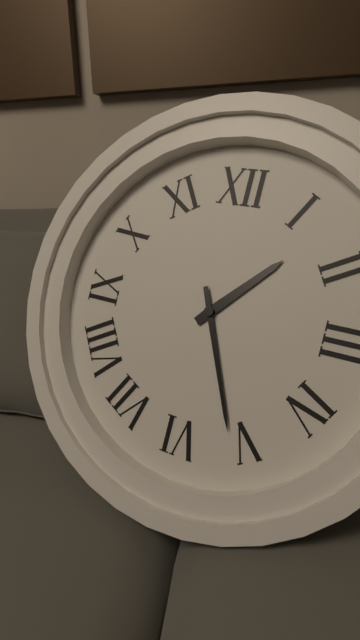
1:26
